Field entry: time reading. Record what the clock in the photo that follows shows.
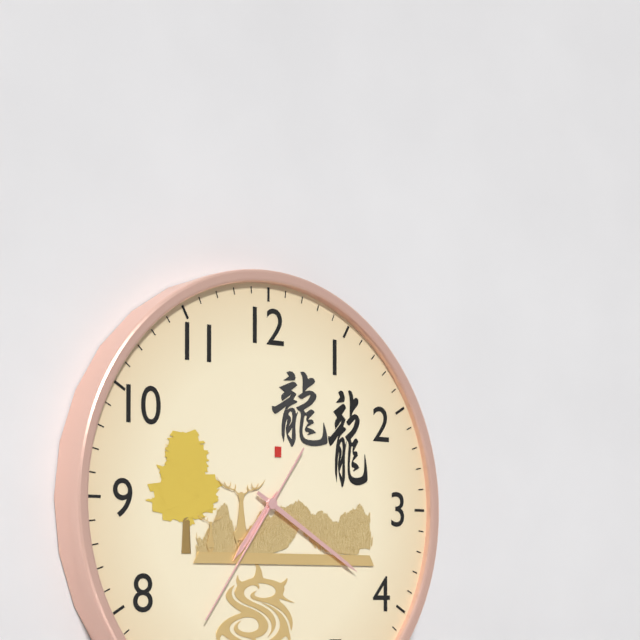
7:20:36
